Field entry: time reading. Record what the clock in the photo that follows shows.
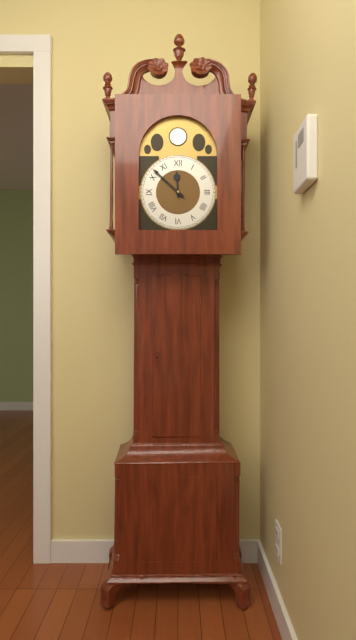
11:52
